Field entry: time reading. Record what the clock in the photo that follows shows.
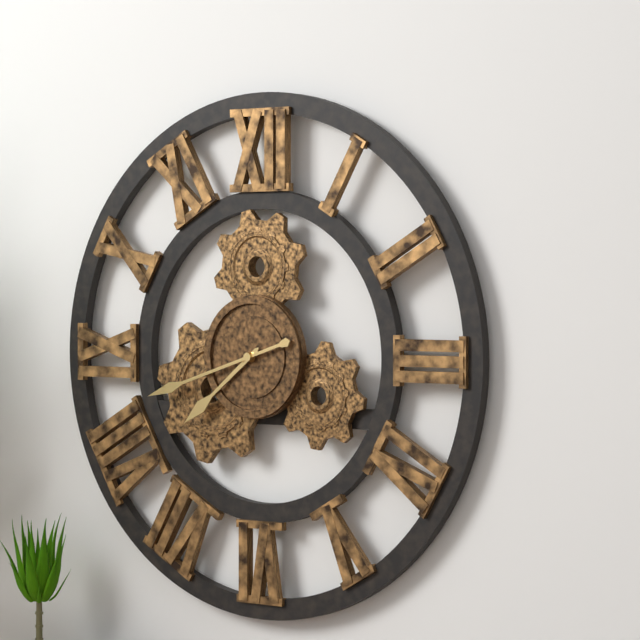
7:42
